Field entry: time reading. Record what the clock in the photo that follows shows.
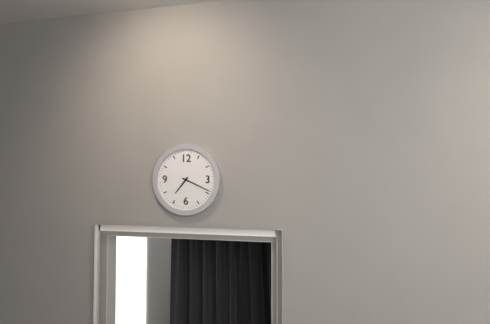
7:19
